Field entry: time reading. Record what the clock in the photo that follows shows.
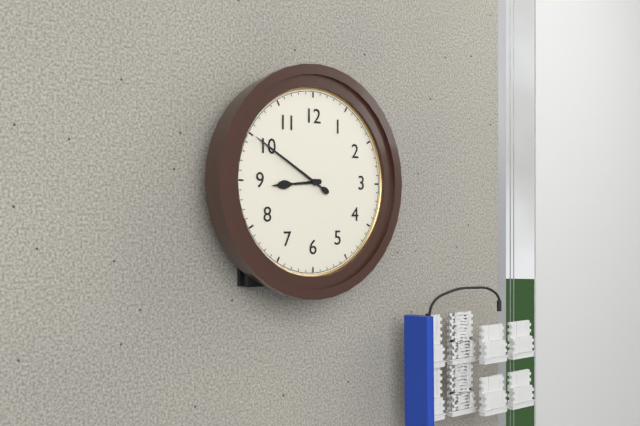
8:50
